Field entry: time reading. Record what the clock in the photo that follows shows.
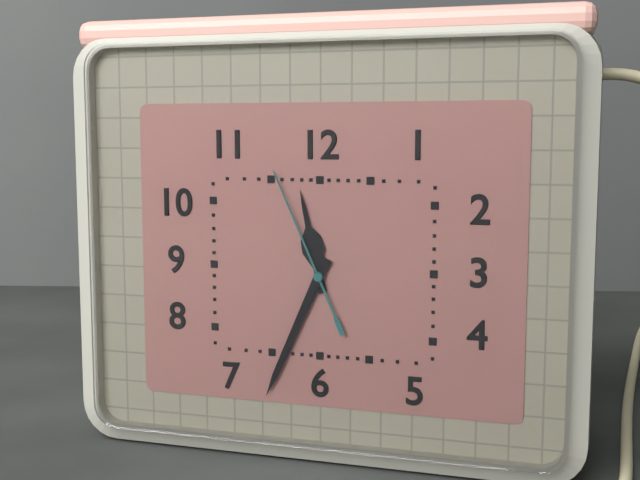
11:34:56
